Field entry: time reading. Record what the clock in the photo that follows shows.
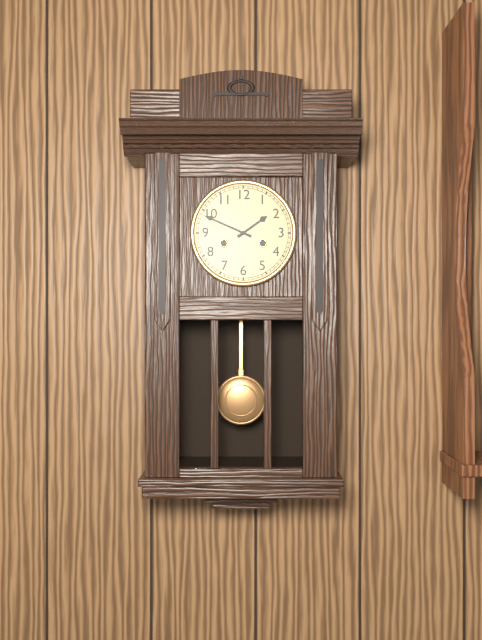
1:49
